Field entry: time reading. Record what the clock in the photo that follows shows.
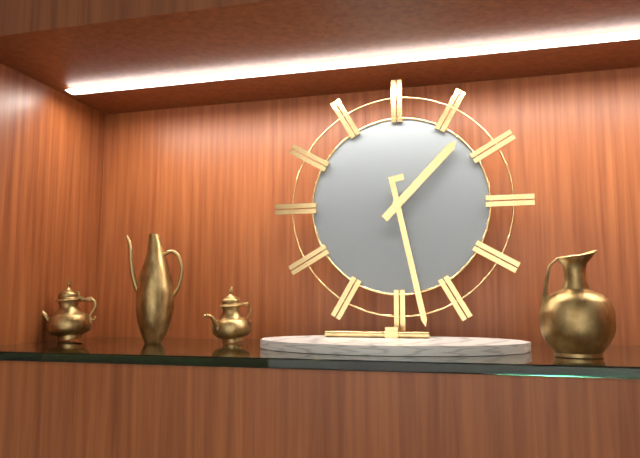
1:28
